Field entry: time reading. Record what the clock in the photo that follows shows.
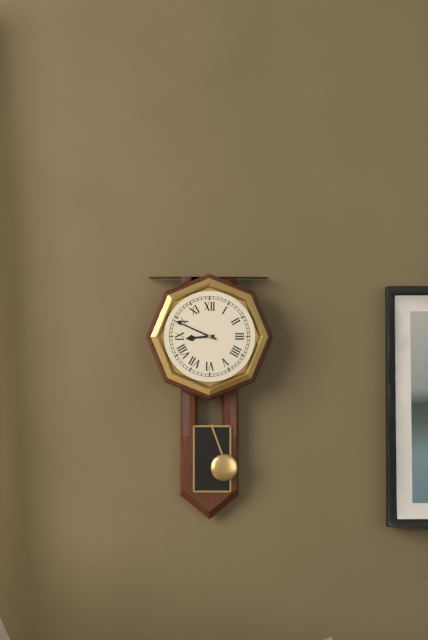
8:49
